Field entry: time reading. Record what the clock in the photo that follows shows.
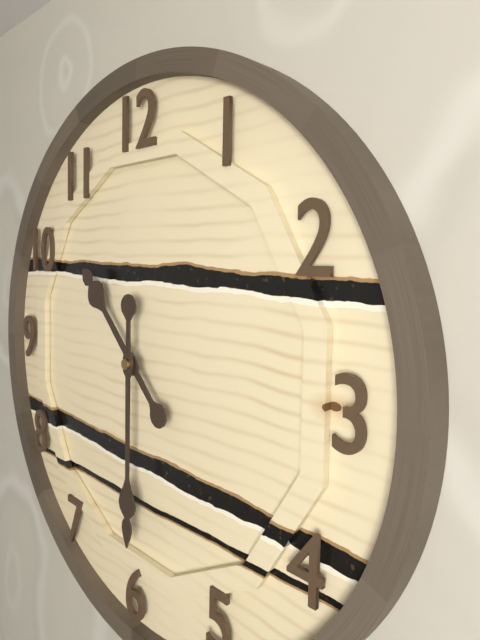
10:30
